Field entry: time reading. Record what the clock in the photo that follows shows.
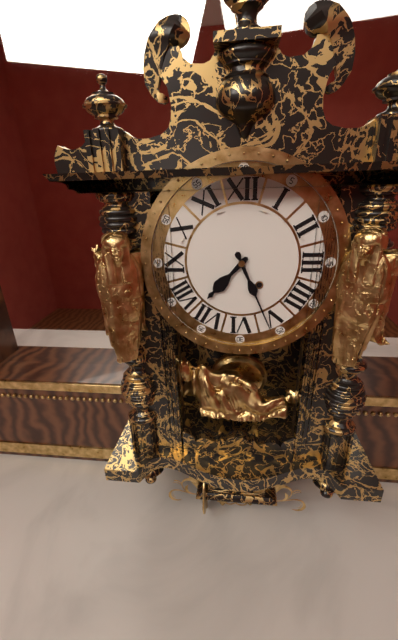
7:26
